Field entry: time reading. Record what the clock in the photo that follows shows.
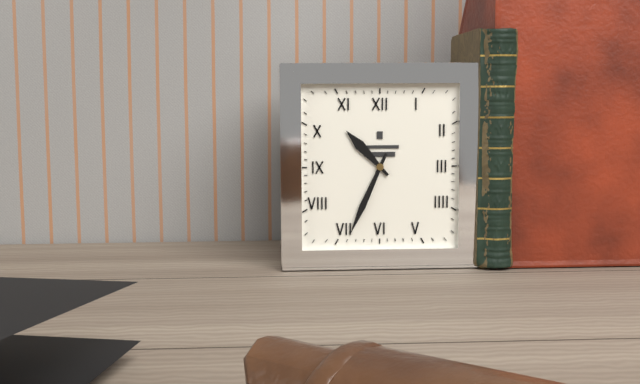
10:34
